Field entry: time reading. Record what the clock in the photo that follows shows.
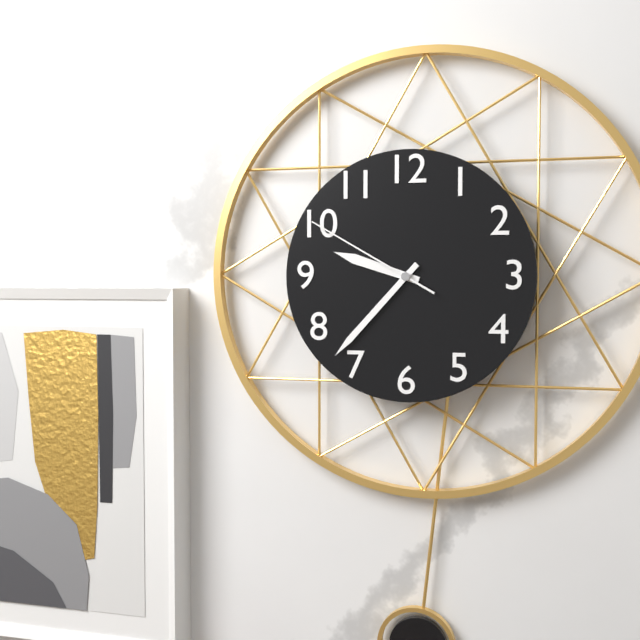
9:37:50
